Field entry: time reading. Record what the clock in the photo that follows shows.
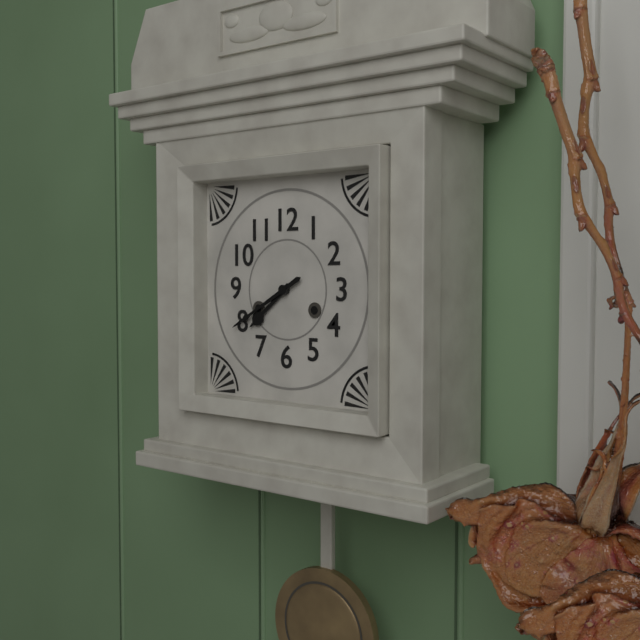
7:40
